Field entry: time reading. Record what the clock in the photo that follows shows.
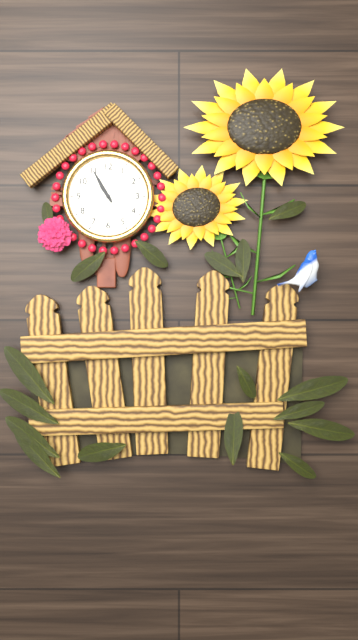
10:55
